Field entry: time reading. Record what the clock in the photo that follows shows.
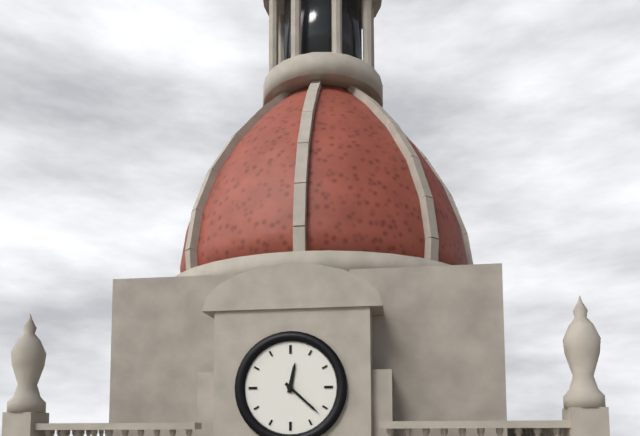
12:22
